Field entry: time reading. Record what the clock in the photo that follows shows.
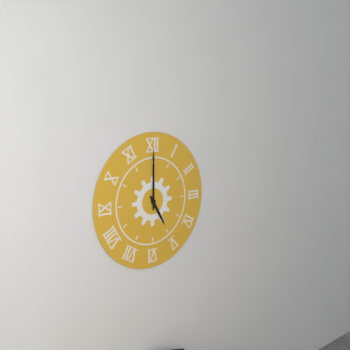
5:00
